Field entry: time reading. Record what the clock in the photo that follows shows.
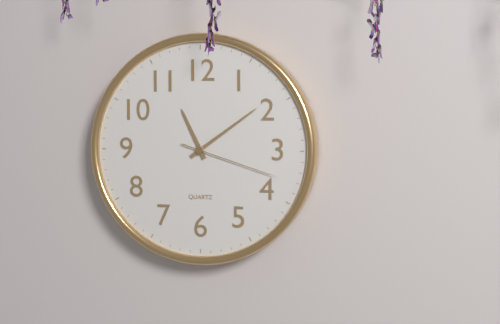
11:09:18
